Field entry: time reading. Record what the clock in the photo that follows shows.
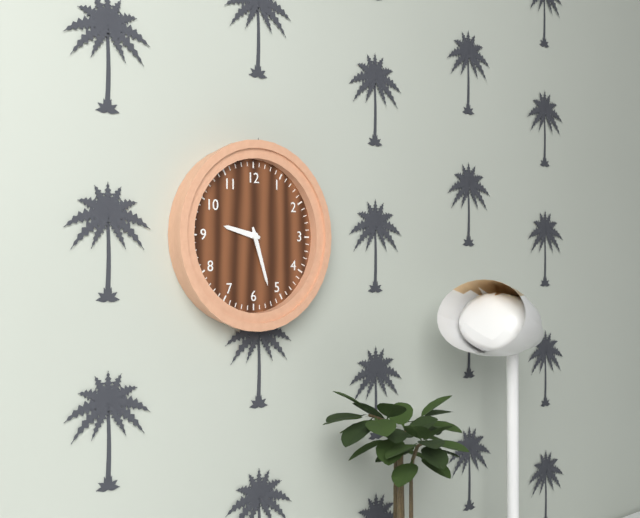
9:27
